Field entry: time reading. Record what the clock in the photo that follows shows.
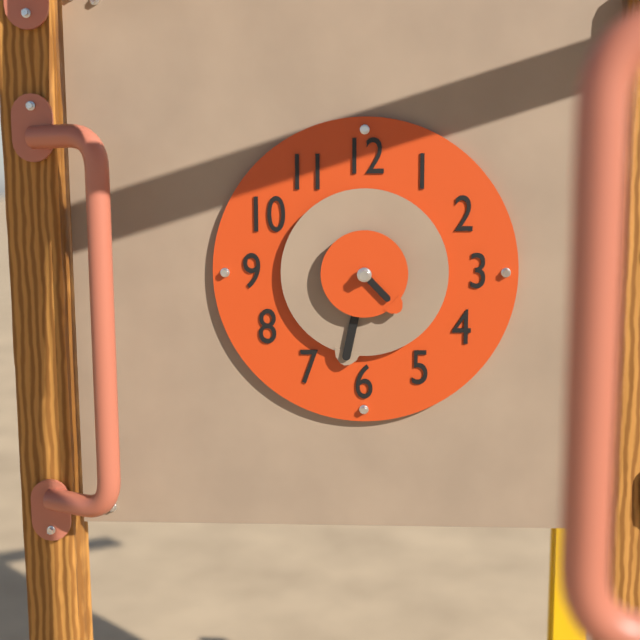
4:32
